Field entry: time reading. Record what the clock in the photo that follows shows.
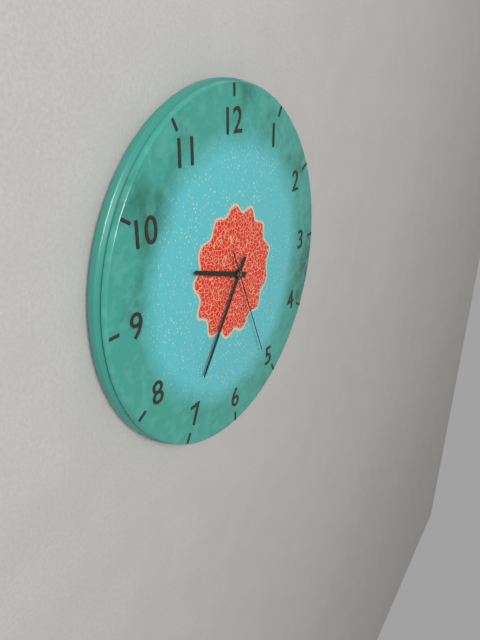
9:36:26
